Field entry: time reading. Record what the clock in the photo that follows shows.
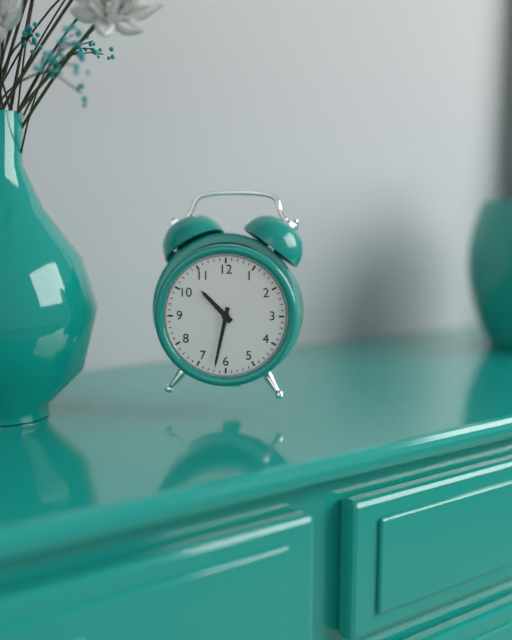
10:32
